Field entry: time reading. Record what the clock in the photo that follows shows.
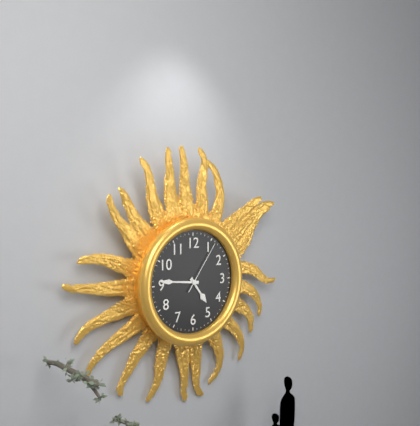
4:46:06
